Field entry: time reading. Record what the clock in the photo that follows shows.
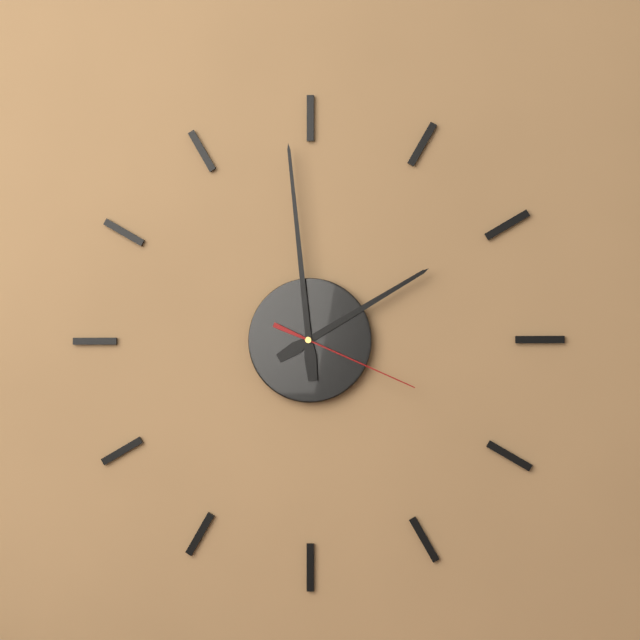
1:59:19
